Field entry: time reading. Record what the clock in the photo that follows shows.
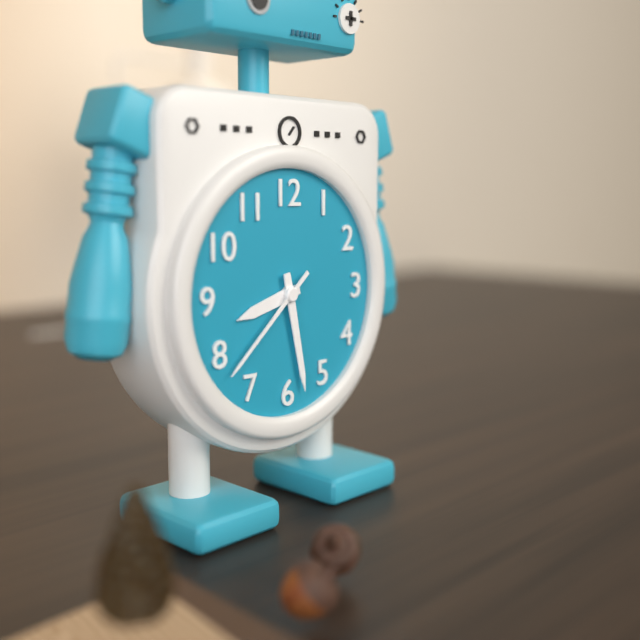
8:28:38
